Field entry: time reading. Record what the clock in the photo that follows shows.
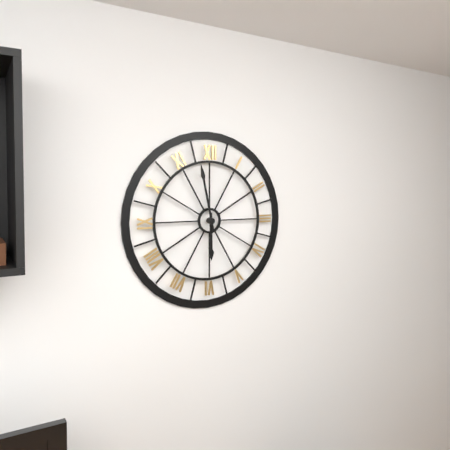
5:58
